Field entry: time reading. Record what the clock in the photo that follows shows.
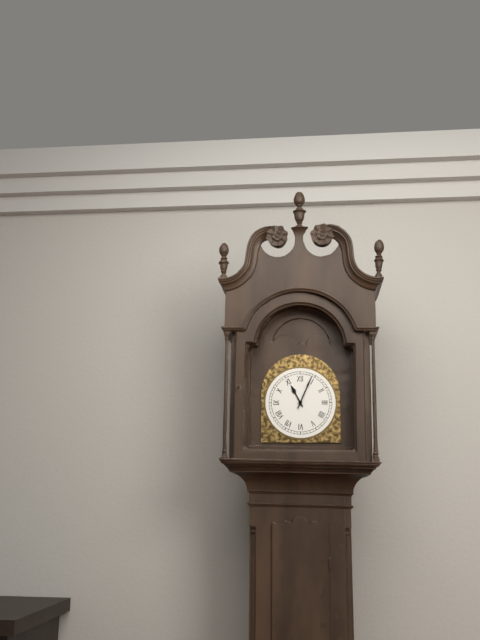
11:04
